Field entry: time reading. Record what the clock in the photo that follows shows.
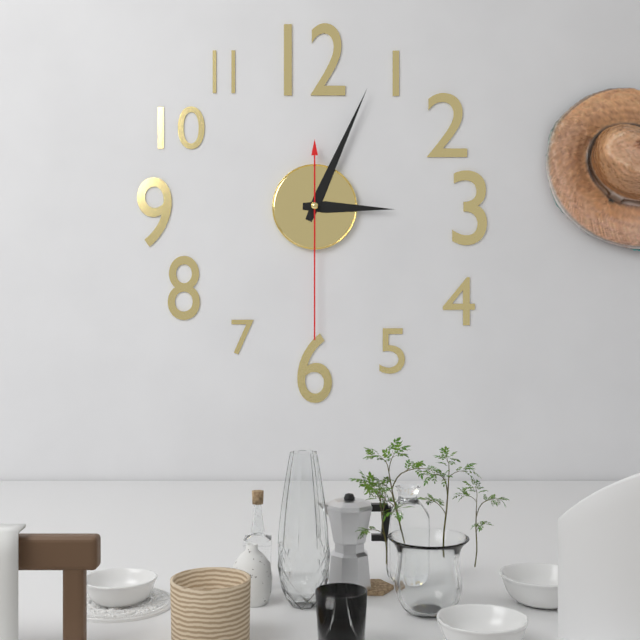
3:04:30
